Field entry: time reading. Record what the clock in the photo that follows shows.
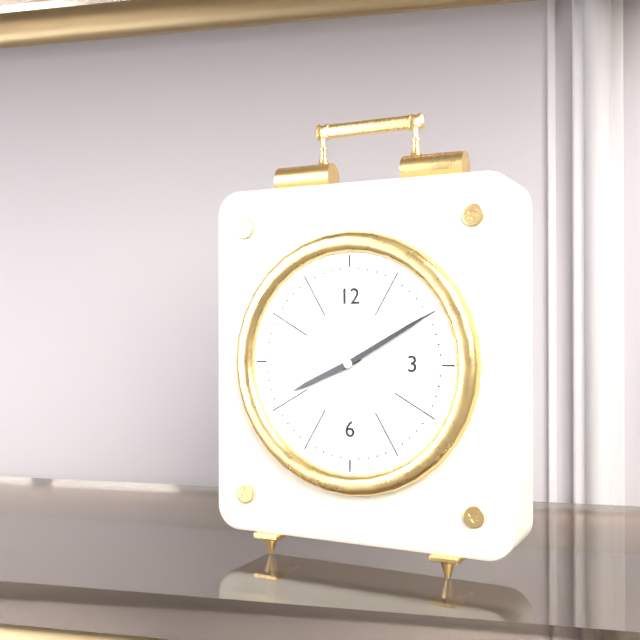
8:10
